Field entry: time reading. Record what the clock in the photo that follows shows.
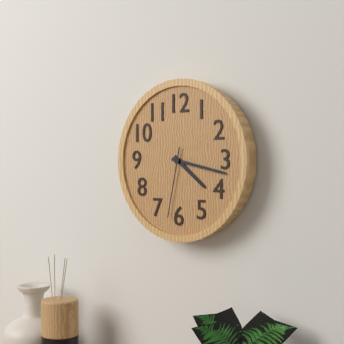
4:17:32
